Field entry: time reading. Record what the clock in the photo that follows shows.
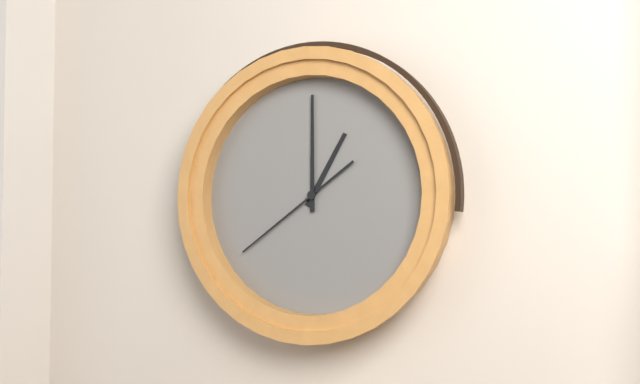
1:00:39
